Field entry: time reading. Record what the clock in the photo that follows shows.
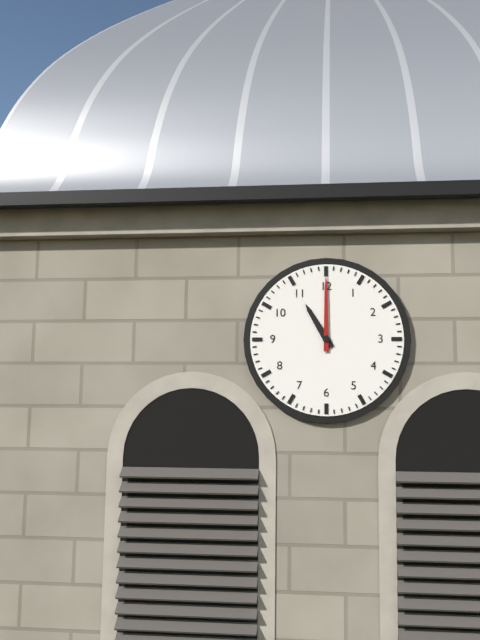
11:00
